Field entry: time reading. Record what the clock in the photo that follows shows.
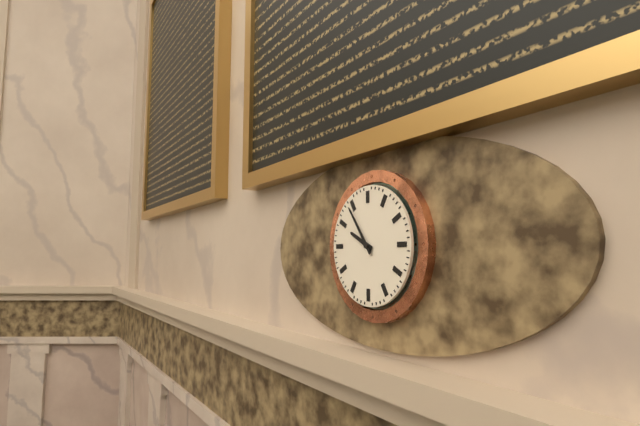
9:54
